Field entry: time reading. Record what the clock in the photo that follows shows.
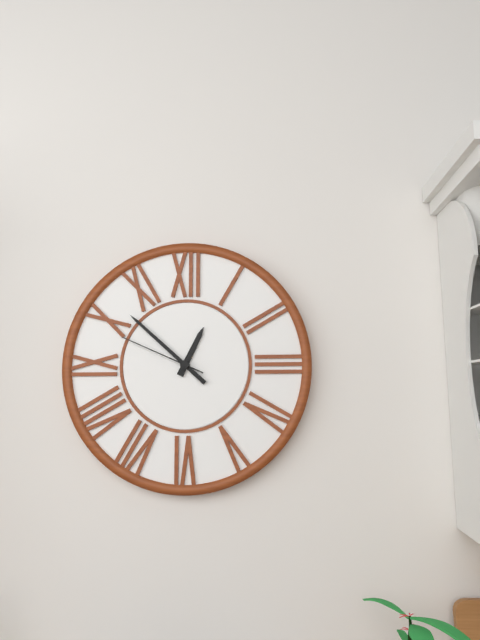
12:52:49
